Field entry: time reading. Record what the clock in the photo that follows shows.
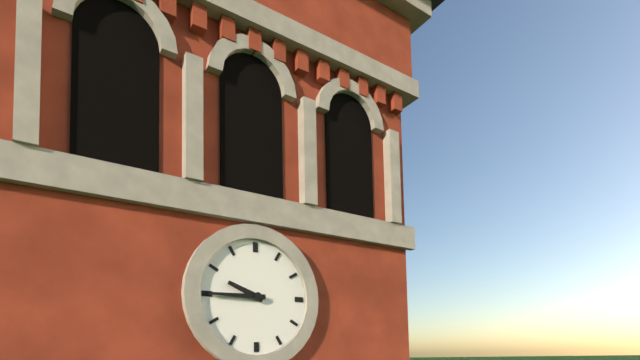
9:45
